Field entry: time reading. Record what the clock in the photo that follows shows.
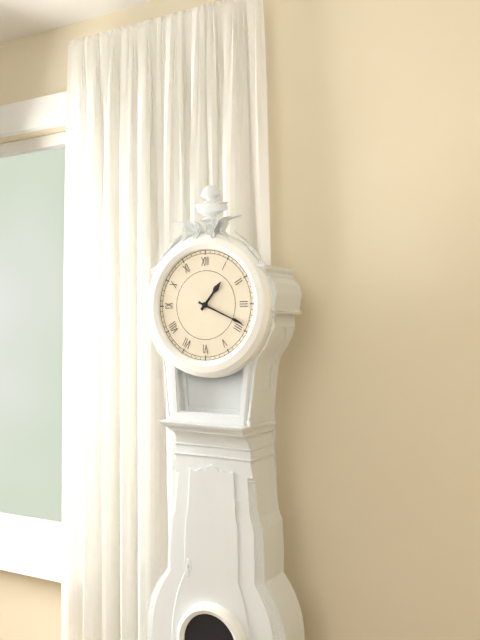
1:19
